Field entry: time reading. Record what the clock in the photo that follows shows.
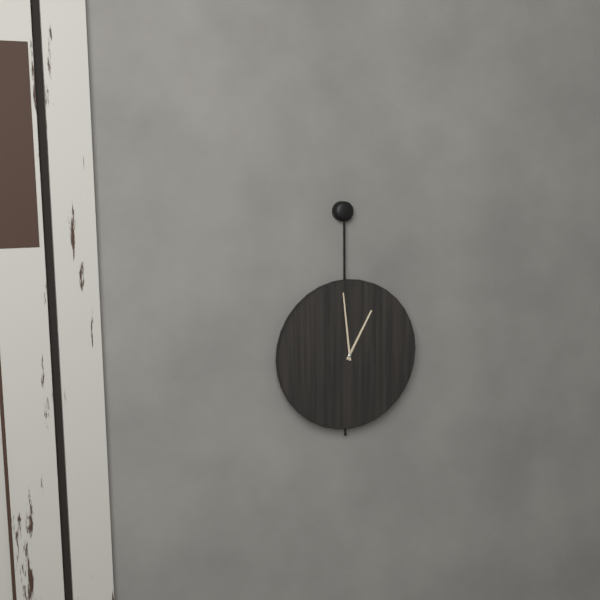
12:59
